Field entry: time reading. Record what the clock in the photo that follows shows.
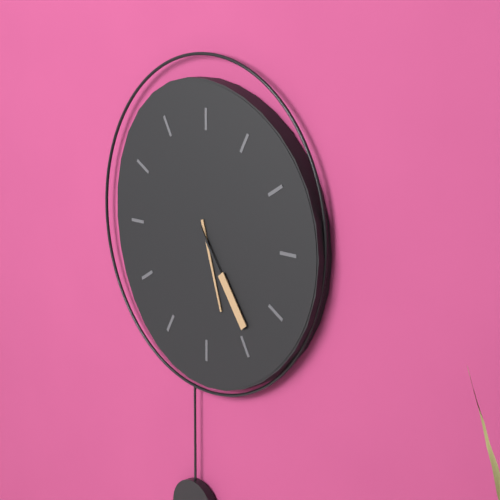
5:24
